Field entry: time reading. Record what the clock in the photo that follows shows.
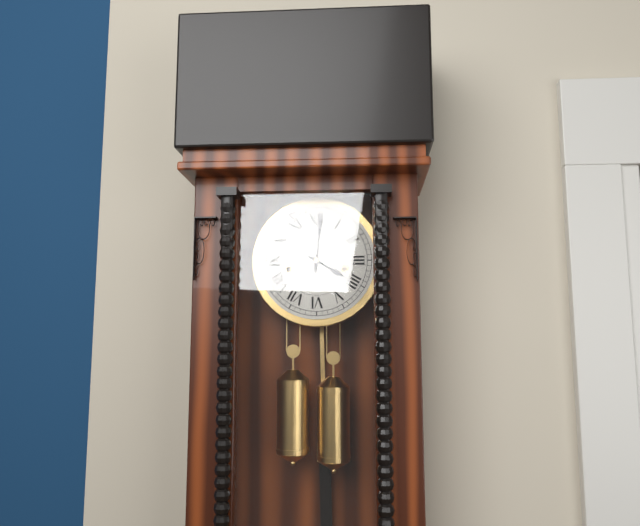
4:01
